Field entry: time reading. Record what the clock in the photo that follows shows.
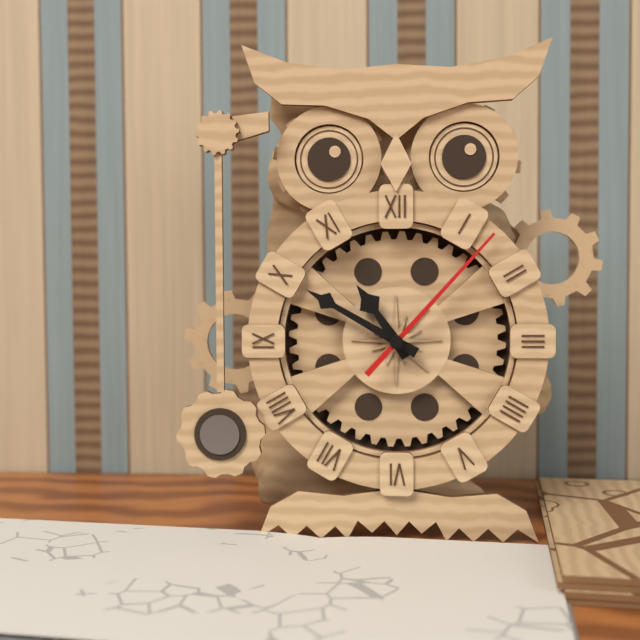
10:50:07
